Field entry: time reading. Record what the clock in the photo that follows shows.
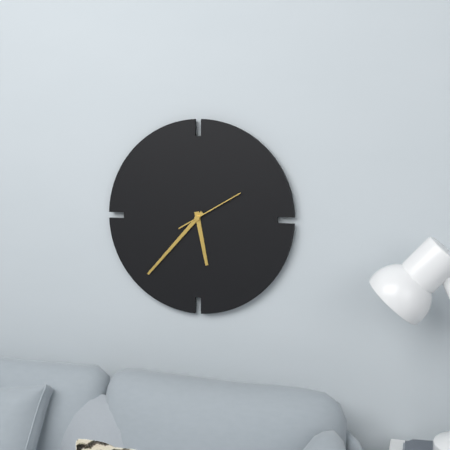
5:37:10
